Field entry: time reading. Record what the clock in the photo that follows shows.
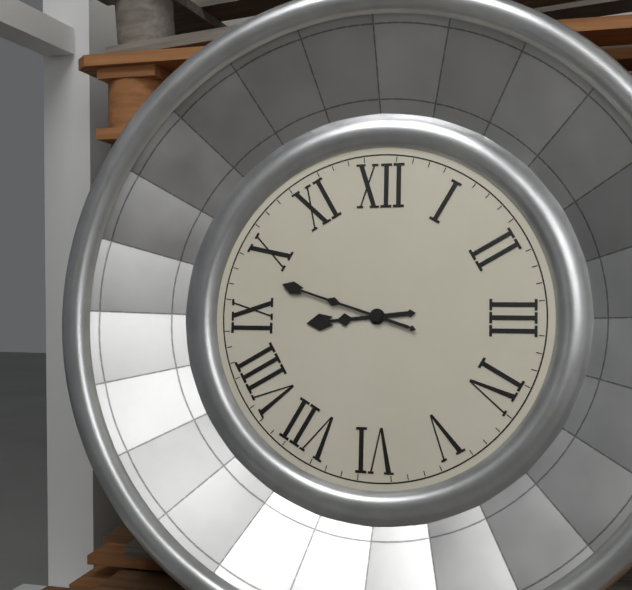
8:48
